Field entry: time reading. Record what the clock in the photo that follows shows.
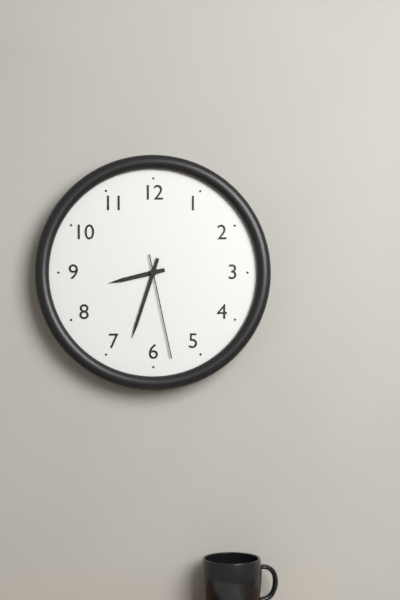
8:33:28
